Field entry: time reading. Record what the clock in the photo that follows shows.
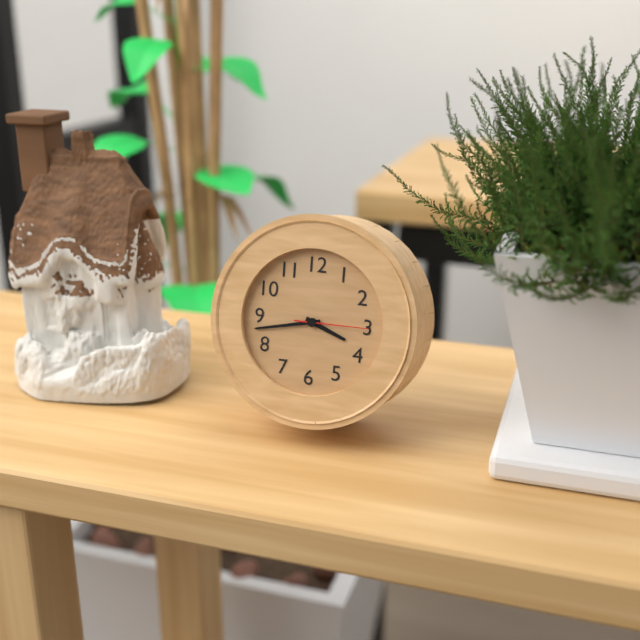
3:43:15
